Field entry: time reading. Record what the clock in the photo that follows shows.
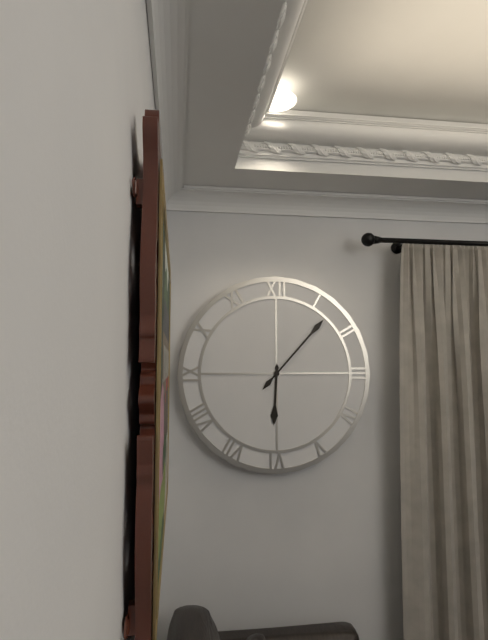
6:07
